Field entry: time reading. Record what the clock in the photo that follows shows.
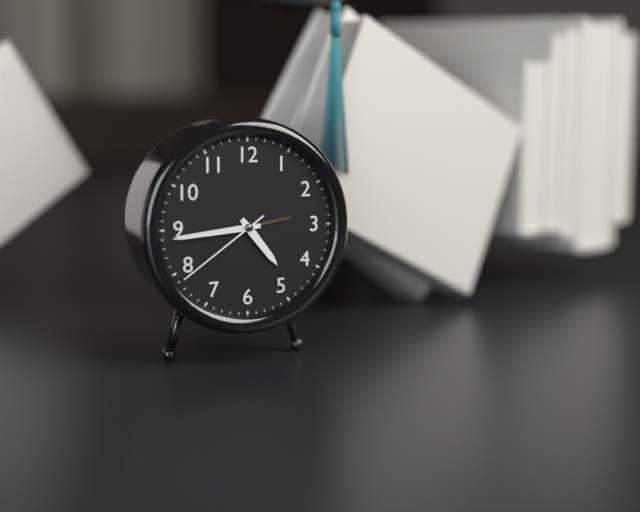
4:44:39
